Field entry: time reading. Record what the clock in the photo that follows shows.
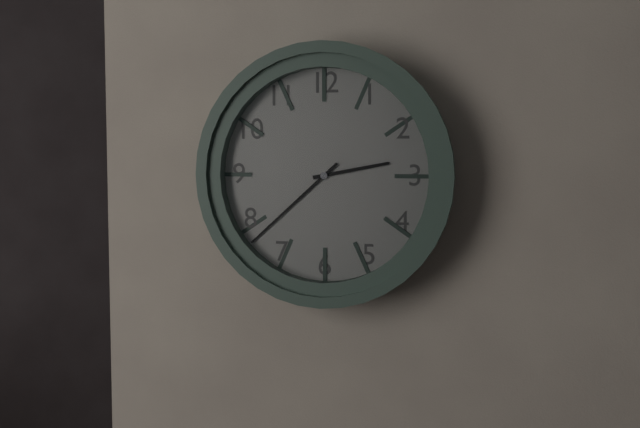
2:38
